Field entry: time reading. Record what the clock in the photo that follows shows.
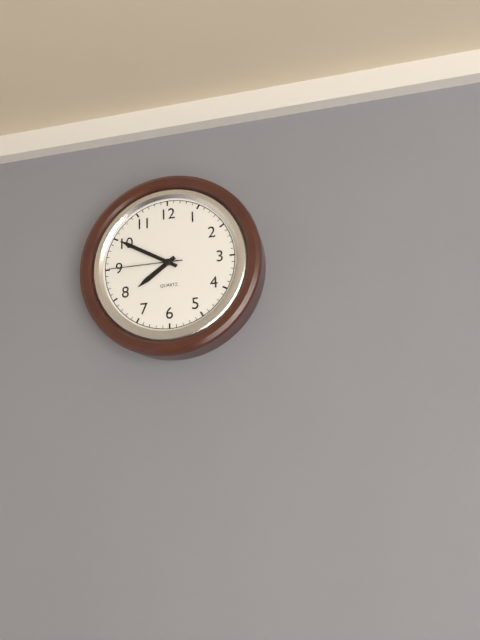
7:50:45
